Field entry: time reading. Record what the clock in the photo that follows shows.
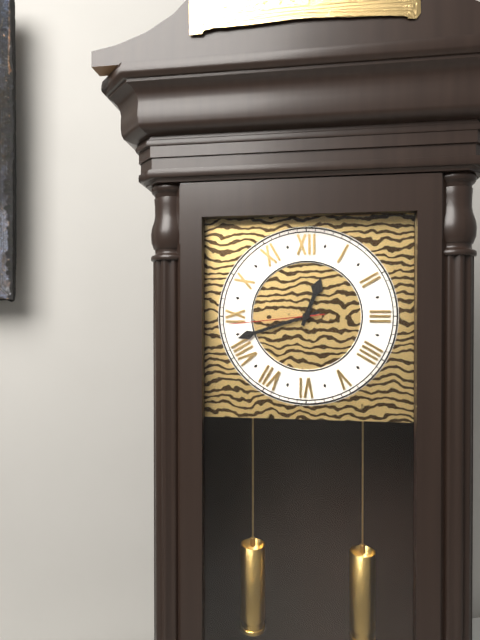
12:42:44
